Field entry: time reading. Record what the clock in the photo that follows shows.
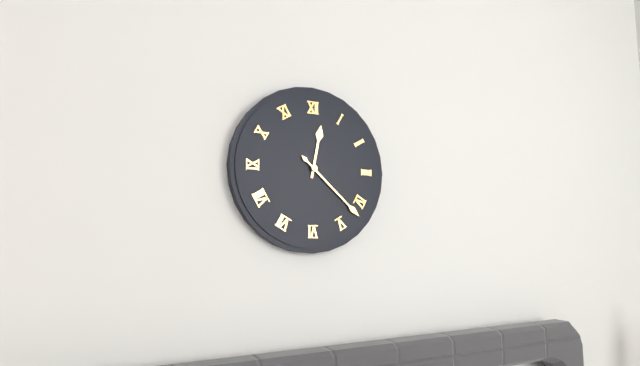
12:22
